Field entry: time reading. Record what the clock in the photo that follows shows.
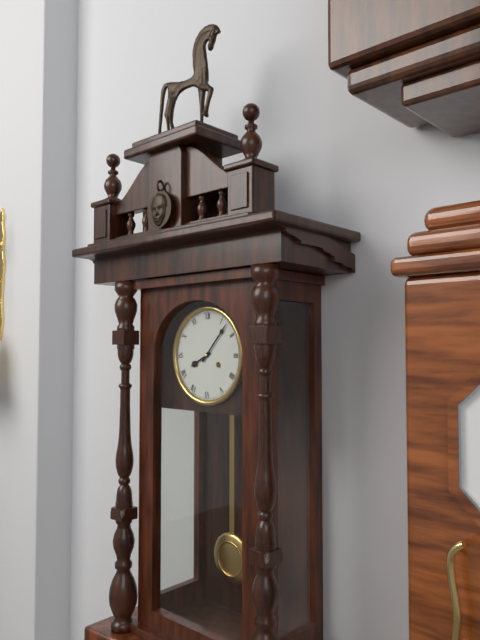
8:07
